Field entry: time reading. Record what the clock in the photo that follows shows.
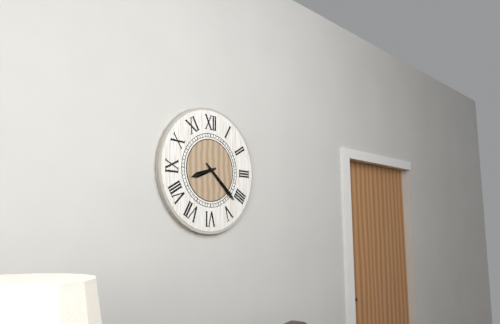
8:22
